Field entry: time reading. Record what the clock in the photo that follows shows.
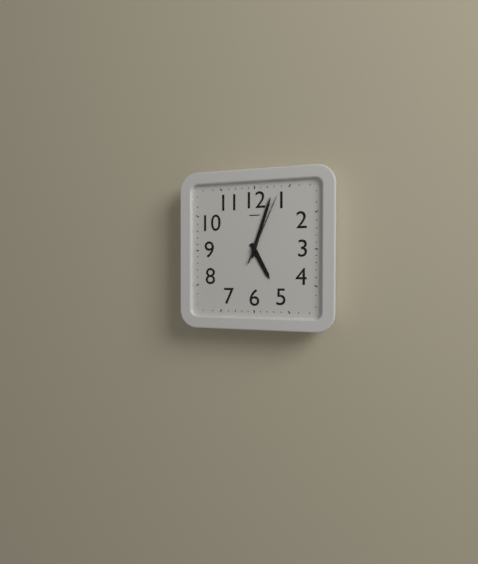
5:03:04
